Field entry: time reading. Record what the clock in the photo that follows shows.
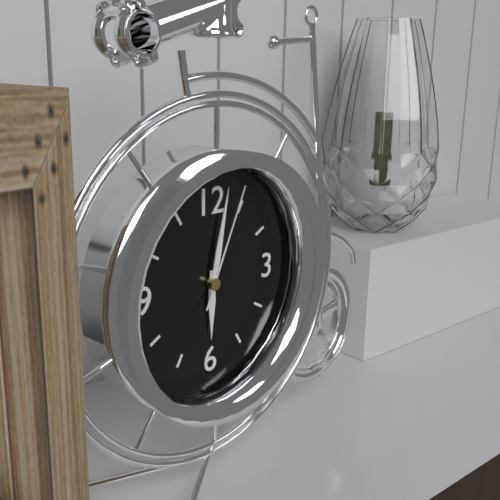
6:02:04
